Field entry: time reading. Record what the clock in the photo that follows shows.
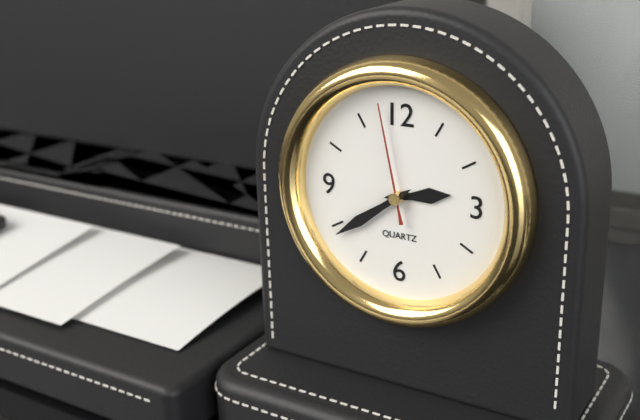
2:39:58
